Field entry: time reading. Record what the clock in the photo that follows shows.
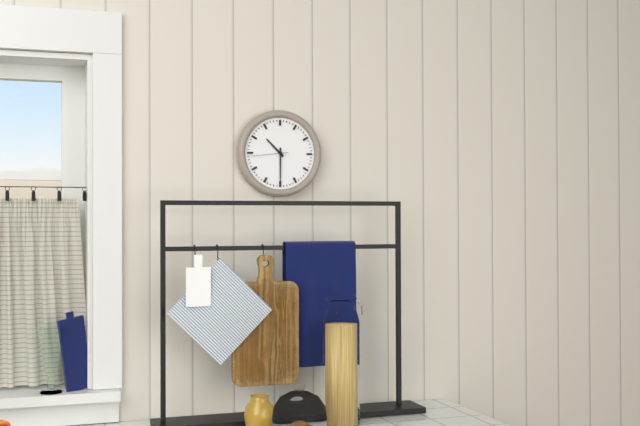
10:30
